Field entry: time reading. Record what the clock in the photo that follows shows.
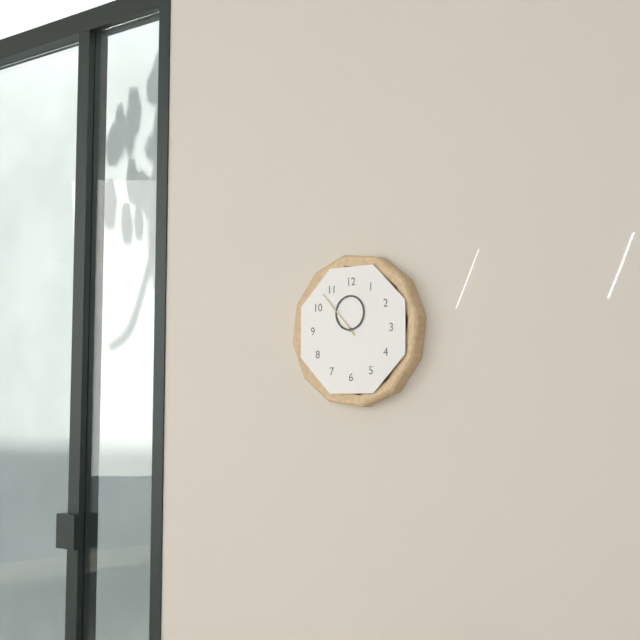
11:53
